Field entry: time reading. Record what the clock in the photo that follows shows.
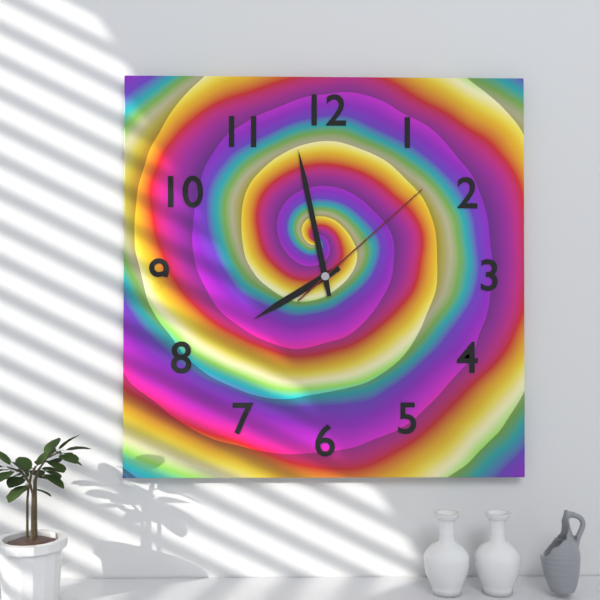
7:58:08
